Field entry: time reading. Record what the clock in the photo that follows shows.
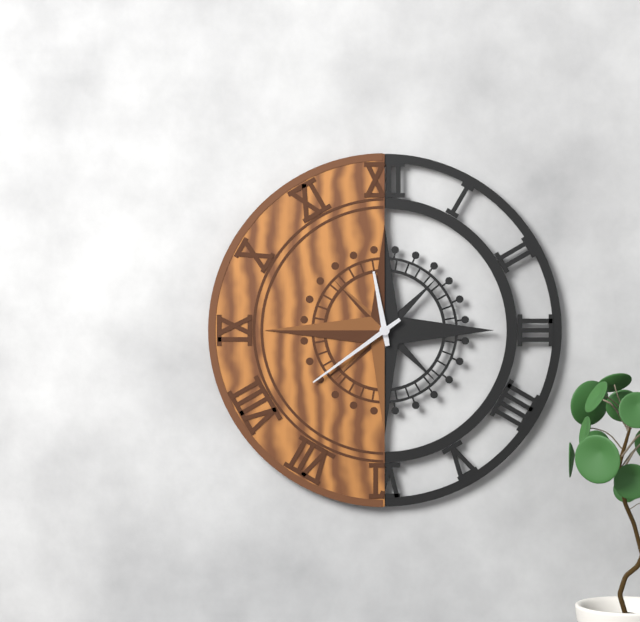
11:39
